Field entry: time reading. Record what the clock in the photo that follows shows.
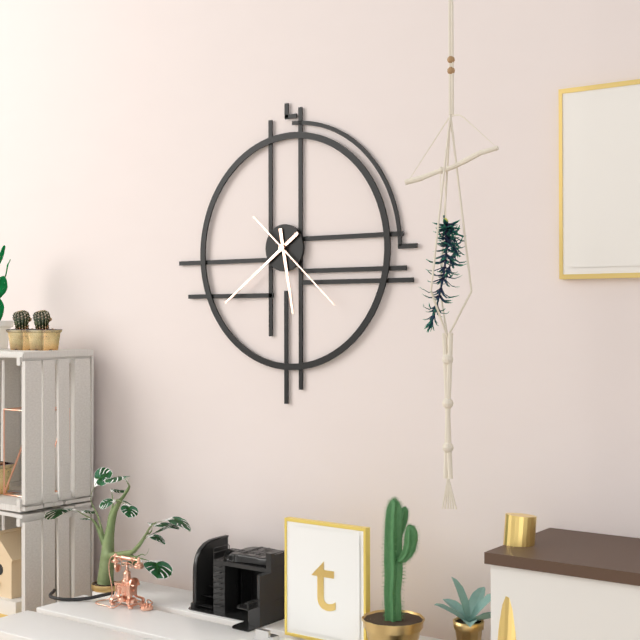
5:39:22
